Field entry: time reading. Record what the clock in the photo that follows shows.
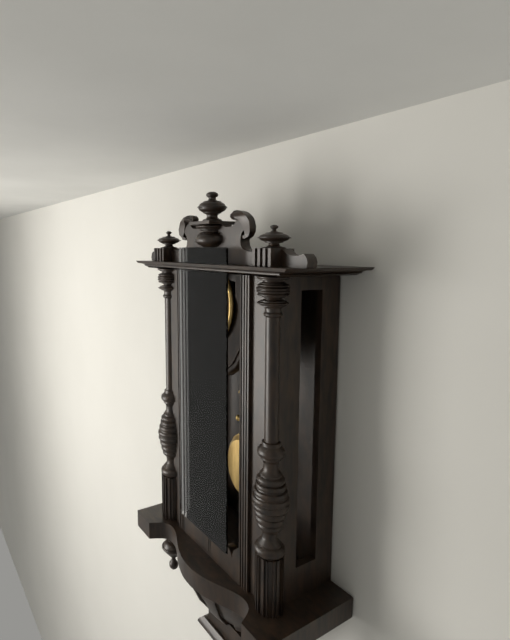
9:59
